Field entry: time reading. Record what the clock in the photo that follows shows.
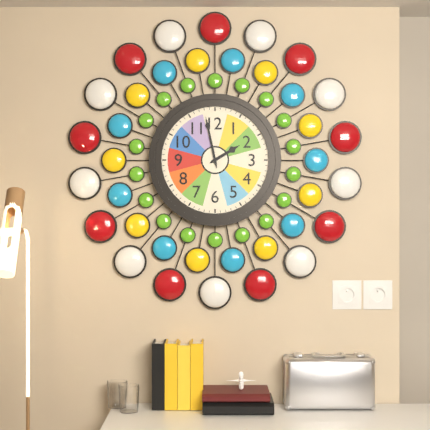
1:58
